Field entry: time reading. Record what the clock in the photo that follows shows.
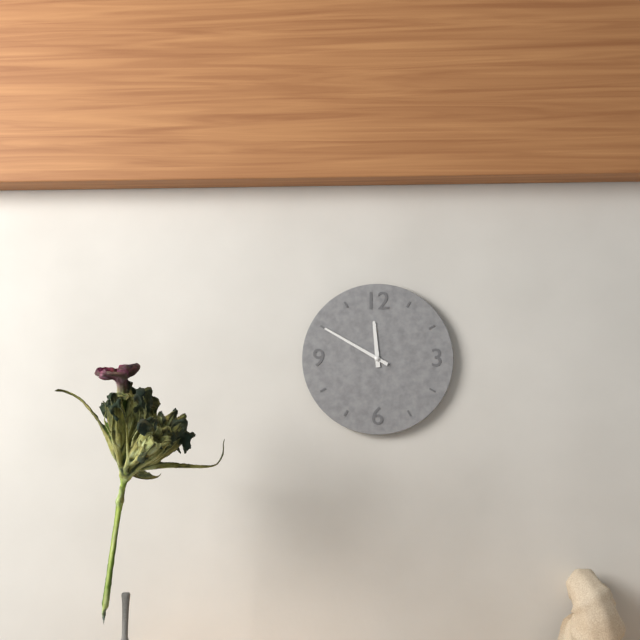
11:50
